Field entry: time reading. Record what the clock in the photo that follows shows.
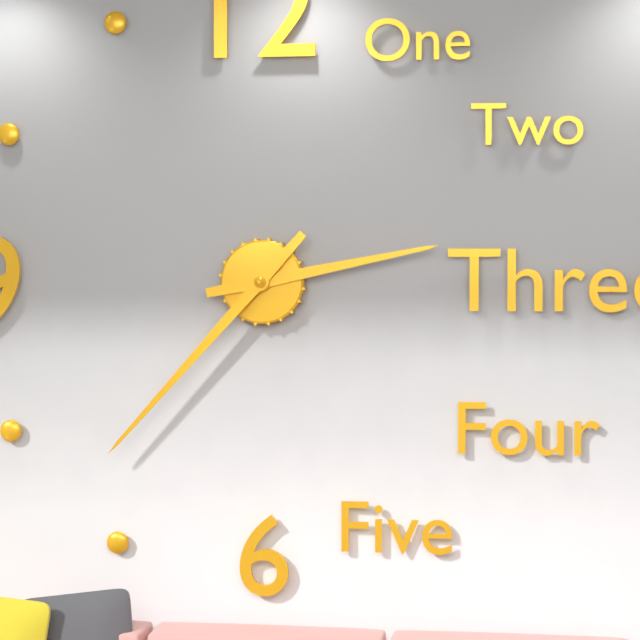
2:37
